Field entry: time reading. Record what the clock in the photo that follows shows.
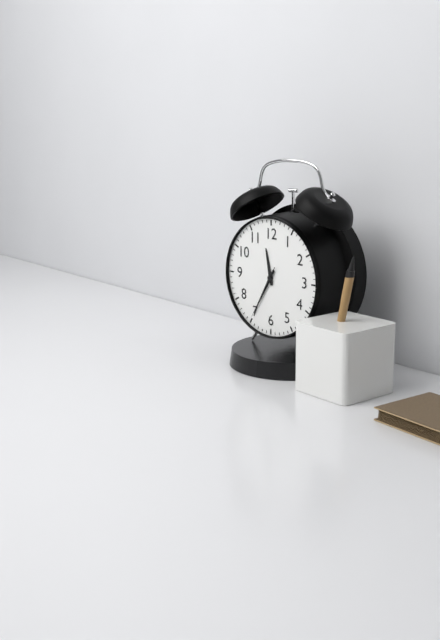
11:35:35
